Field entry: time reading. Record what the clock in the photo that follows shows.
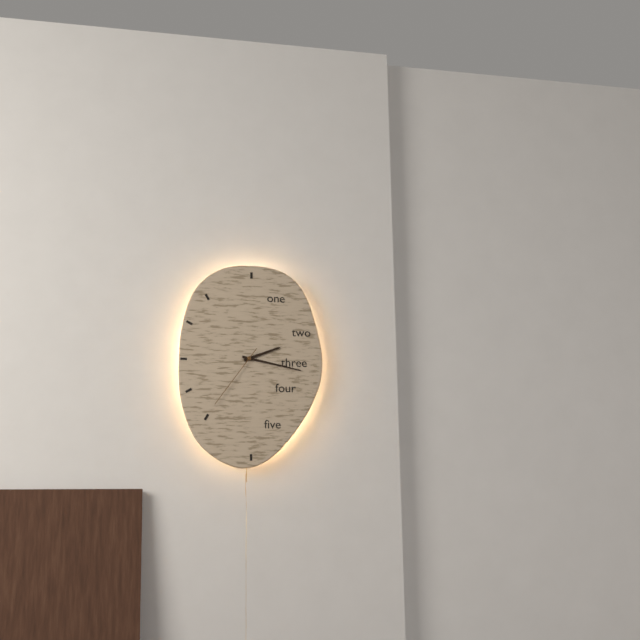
2:17:36
